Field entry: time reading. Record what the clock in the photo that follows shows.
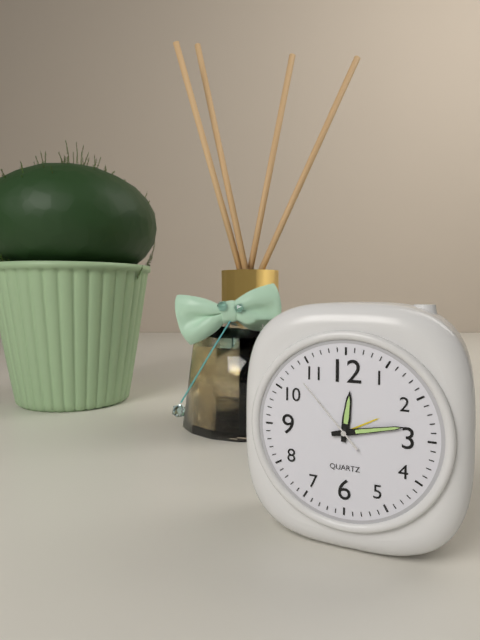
12:13:53
